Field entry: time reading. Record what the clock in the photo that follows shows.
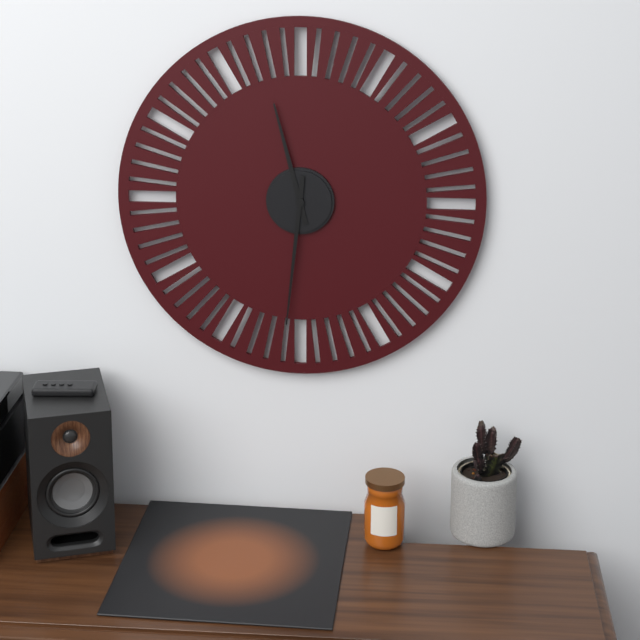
11:31
